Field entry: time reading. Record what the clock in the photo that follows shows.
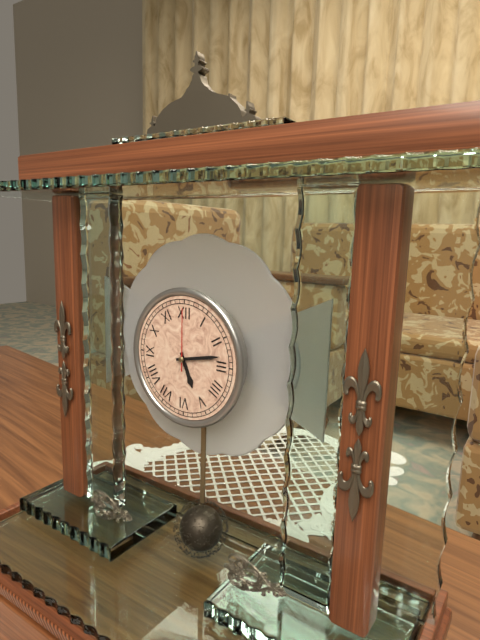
5:13:00
